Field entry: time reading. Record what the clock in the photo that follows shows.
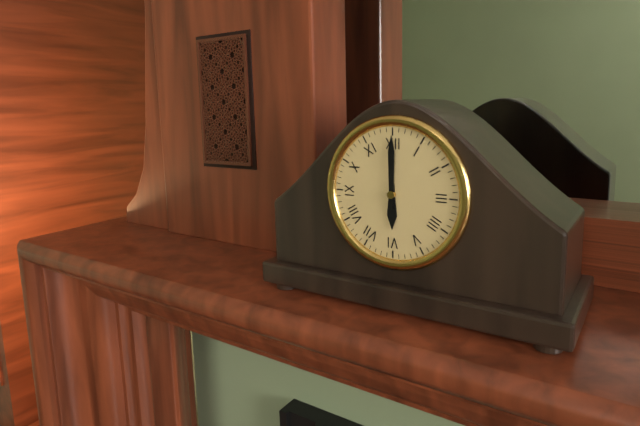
6:00
